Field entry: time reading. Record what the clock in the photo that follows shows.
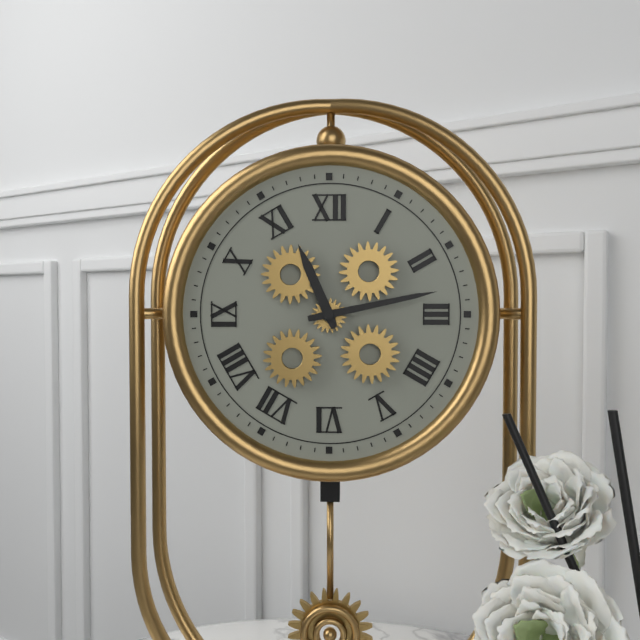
11:13
